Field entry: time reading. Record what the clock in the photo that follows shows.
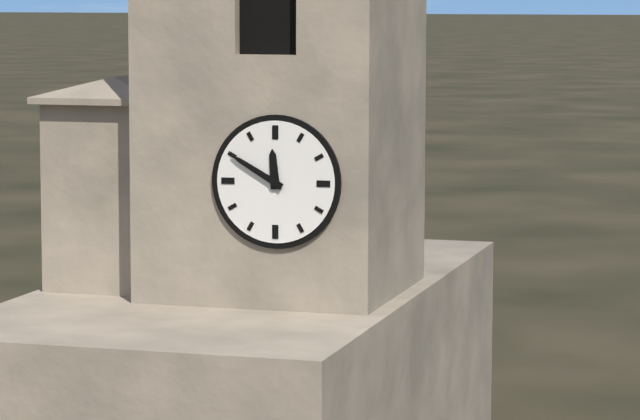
11:50
